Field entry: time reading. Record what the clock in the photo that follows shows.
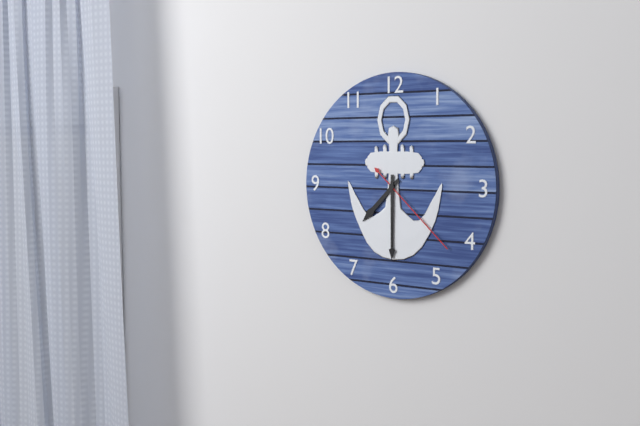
7:30:22
